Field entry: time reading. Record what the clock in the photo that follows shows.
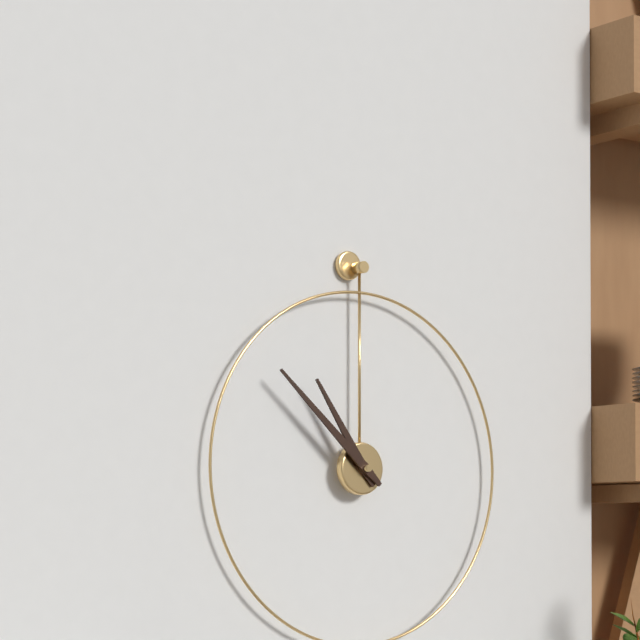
10:52
